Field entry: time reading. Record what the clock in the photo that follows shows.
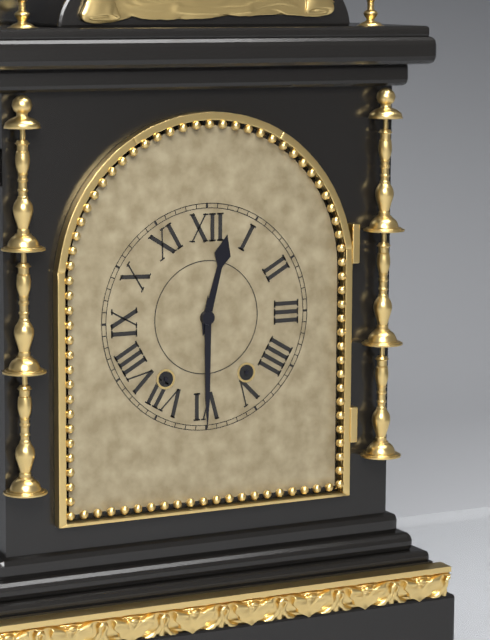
12:30
